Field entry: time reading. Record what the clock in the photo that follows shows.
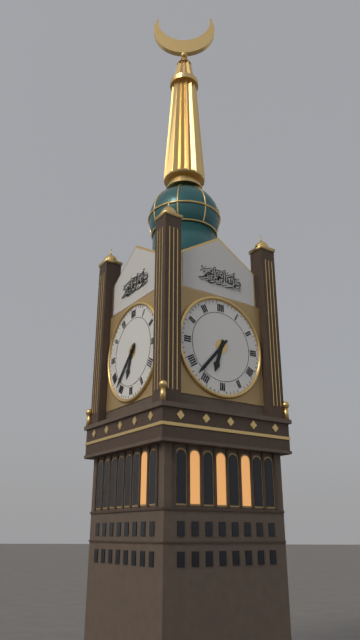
6:37
